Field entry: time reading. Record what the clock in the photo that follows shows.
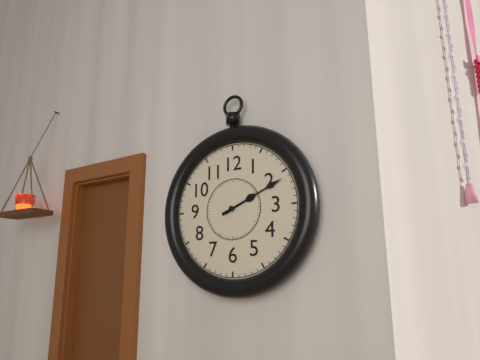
2:11
